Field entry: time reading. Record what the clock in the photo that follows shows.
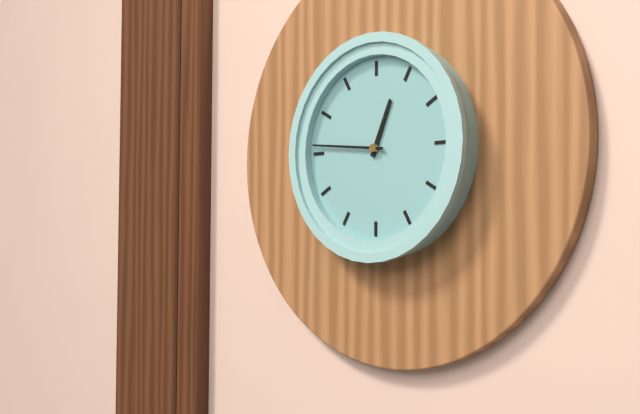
12:46
